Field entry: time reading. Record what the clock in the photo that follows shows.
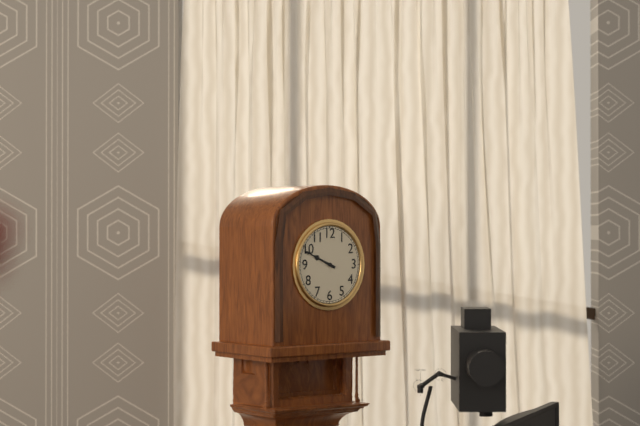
9:49
